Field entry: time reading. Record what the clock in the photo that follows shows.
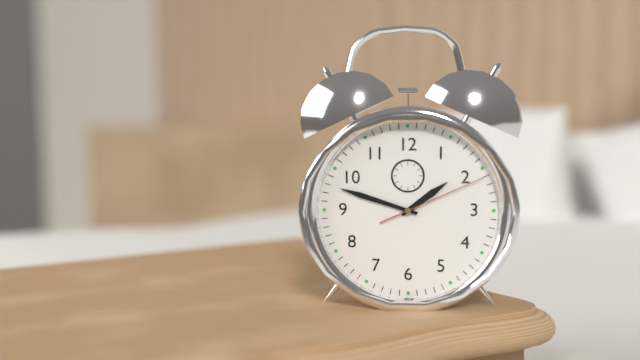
1:48:11
